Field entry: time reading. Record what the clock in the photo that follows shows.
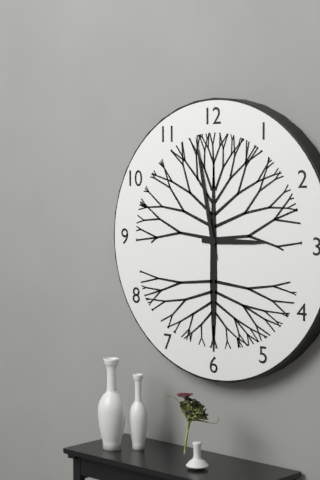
2:58
